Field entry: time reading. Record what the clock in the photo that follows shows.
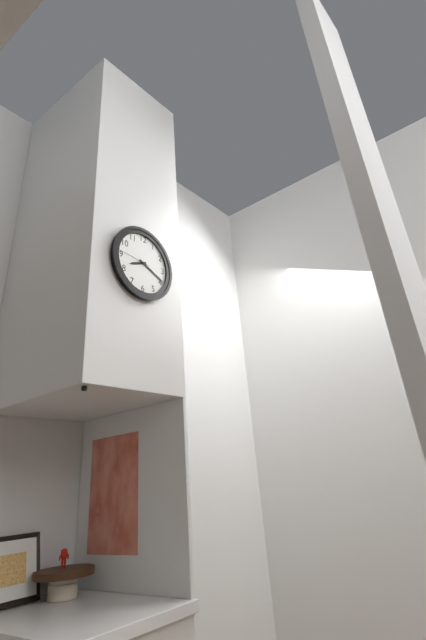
8:19
